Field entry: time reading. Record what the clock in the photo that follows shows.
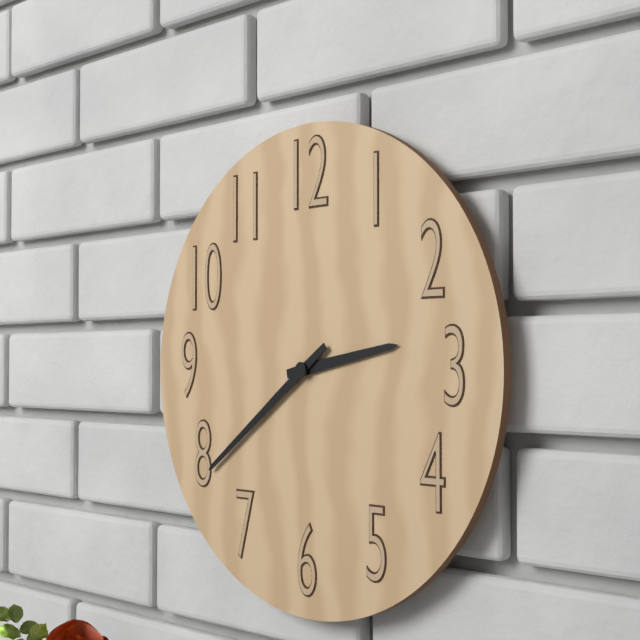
2:39
